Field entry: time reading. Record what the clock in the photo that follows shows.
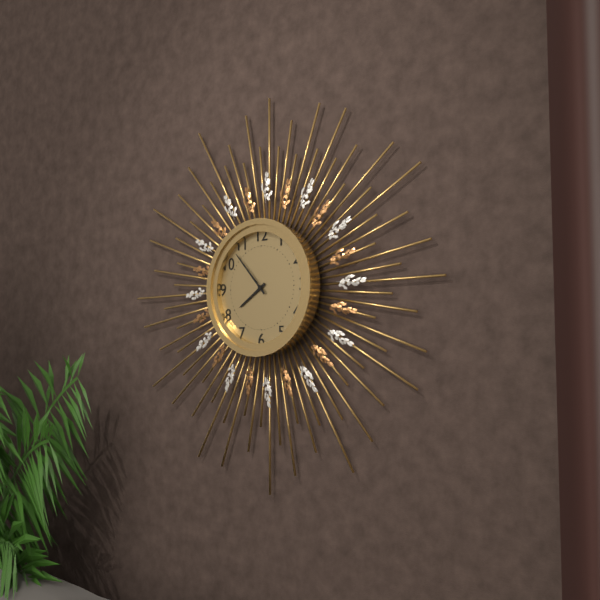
7:53
